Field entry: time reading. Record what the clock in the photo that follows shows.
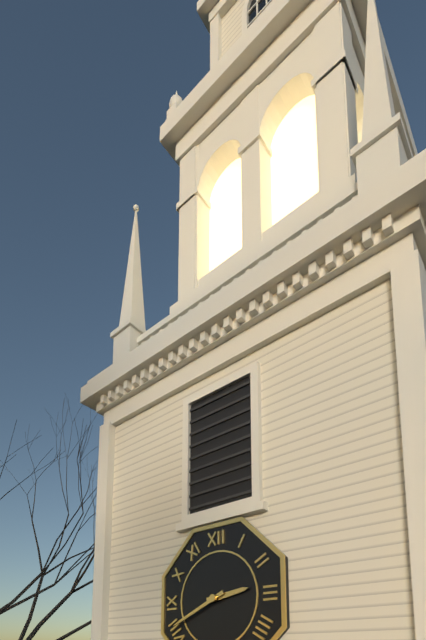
2:41
